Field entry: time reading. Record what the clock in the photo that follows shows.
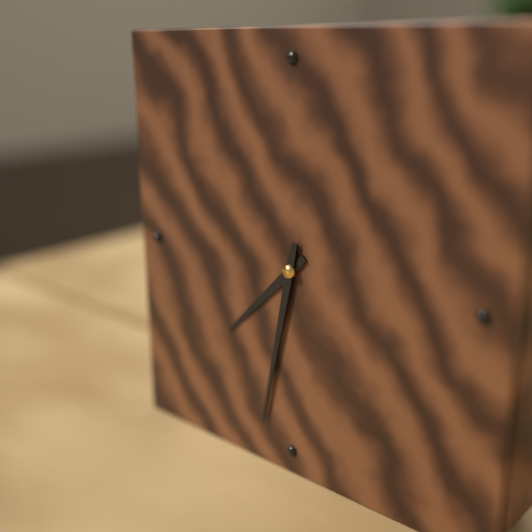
7:32
